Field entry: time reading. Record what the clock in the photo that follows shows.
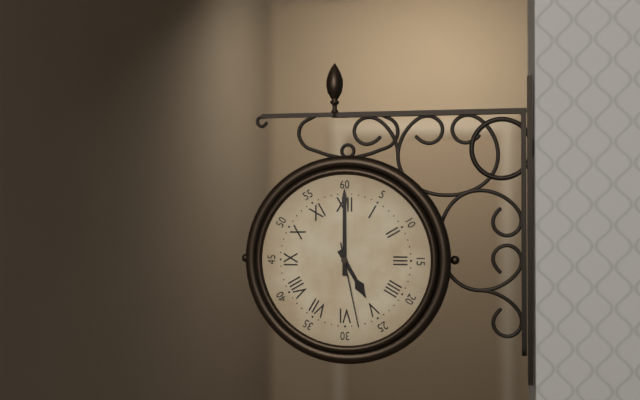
5:00:28
